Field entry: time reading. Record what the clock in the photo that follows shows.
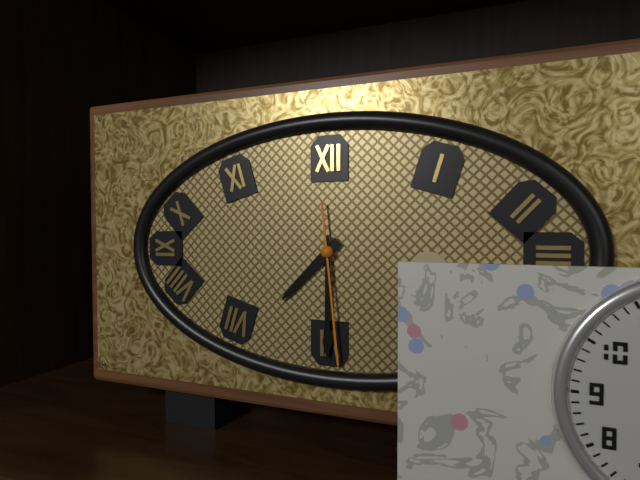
7:30:29
